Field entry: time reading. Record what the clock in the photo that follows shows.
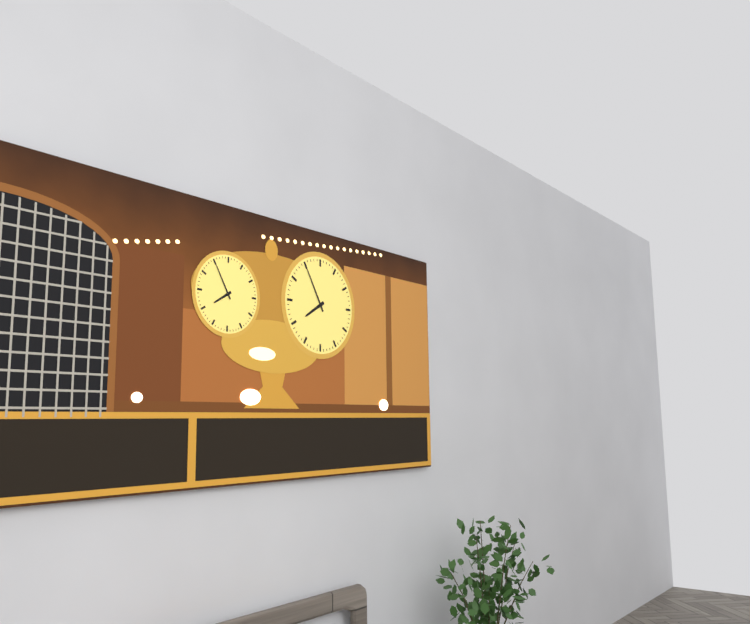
7:55
